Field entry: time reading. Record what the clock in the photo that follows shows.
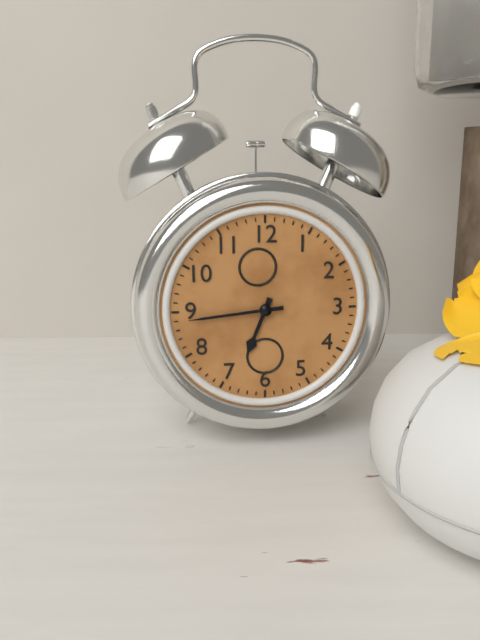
6:44
